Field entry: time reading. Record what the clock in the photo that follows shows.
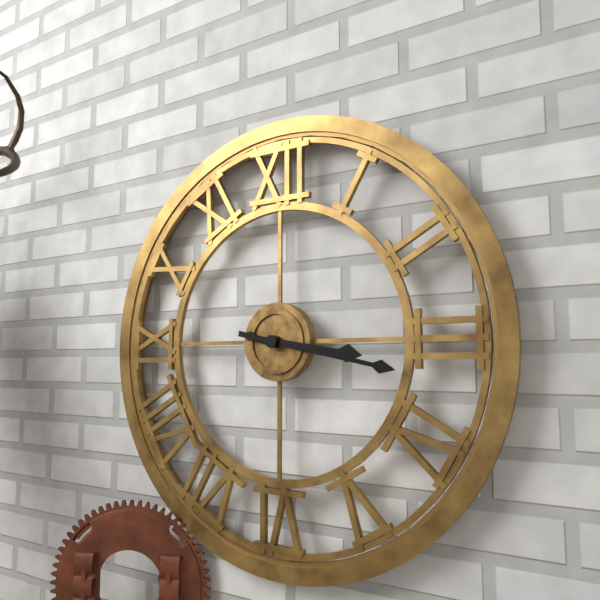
3:17
